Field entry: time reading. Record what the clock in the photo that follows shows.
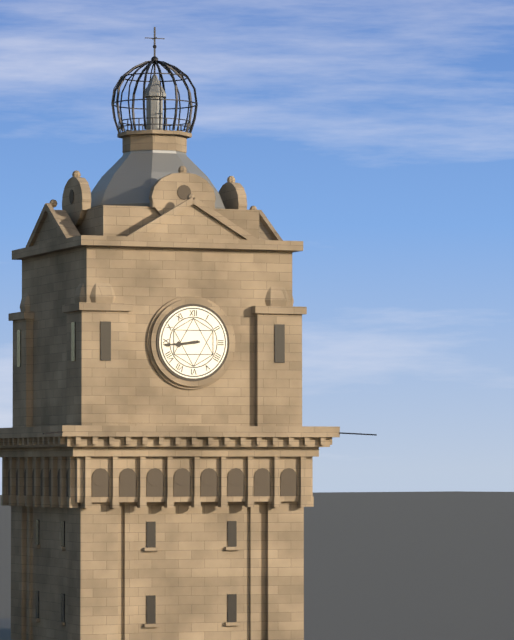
8:44
